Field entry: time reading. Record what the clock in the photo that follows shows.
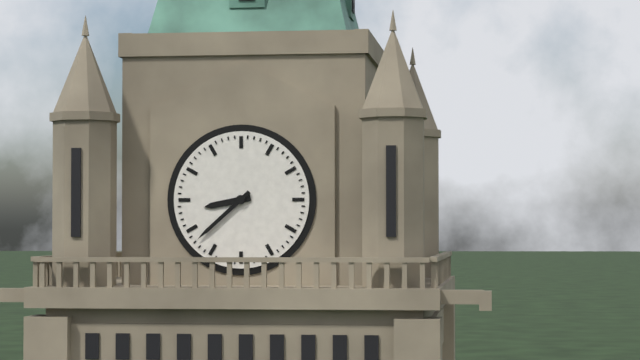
8:38
